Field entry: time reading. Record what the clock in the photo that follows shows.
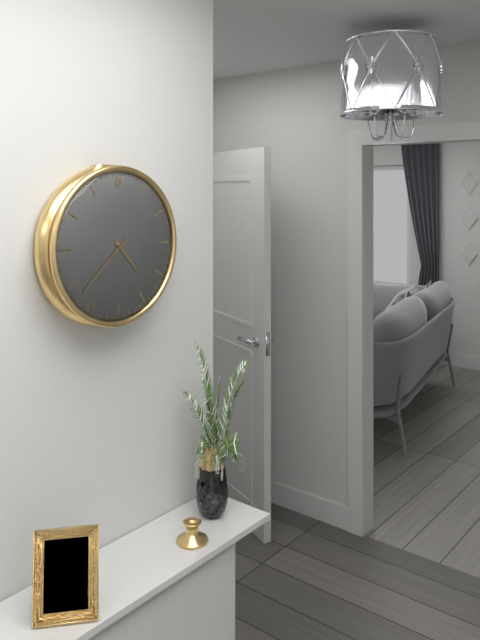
4:38
